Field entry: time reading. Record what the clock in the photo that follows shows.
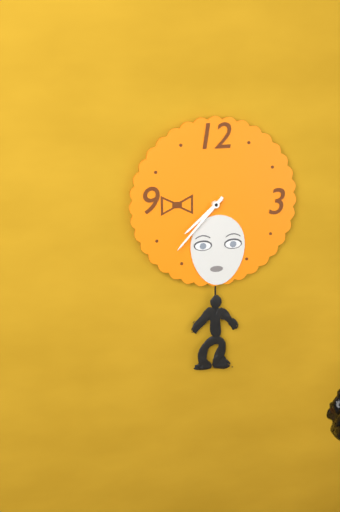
7:37
